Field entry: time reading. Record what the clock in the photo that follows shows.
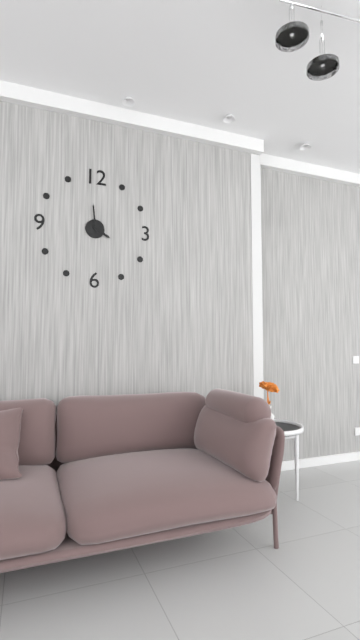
3:59
